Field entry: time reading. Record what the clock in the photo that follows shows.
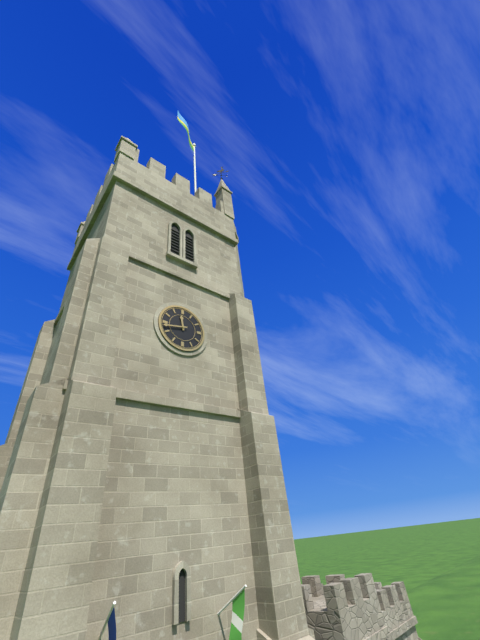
11:43
